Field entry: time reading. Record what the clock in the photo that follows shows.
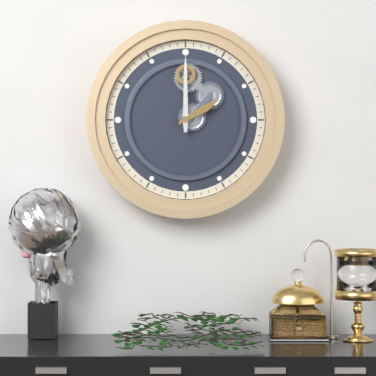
2:00
